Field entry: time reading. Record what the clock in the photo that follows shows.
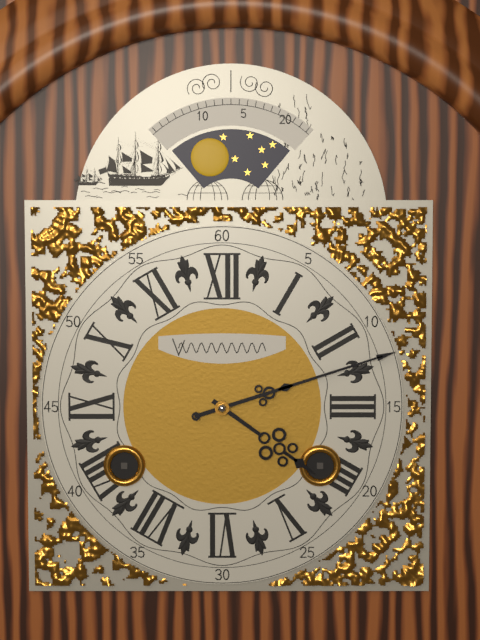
4:12
